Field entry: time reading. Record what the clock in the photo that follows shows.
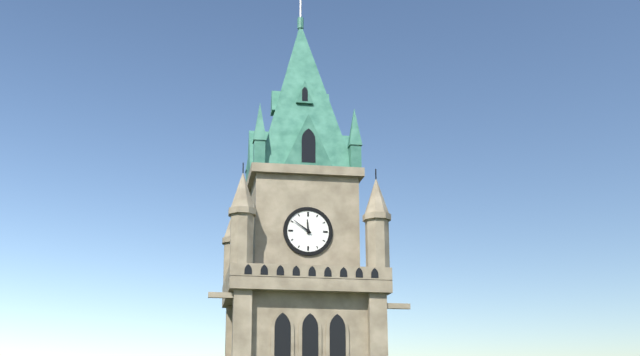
11:51
